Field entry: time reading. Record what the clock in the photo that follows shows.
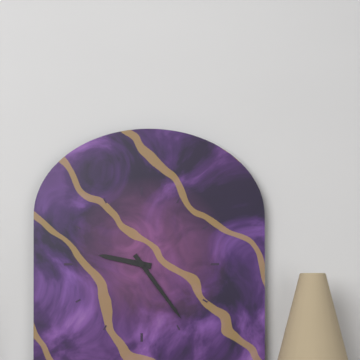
9:24
